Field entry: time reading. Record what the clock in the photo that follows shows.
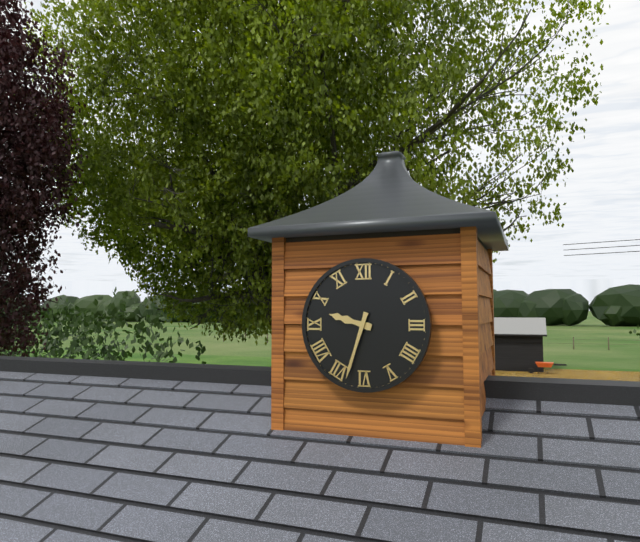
9:33
